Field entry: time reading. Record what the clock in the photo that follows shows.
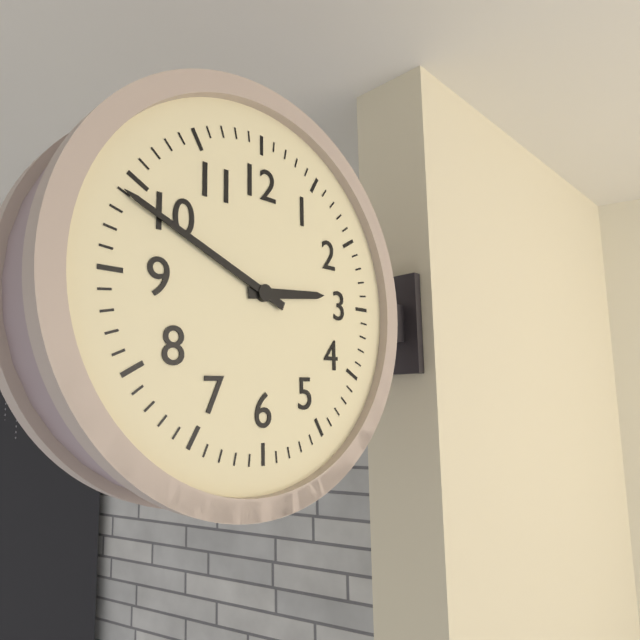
2:49
